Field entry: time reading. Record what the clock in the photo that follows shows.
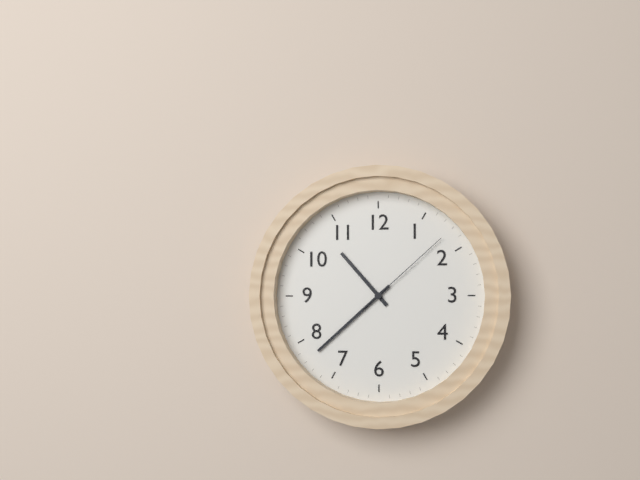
10:38:08
